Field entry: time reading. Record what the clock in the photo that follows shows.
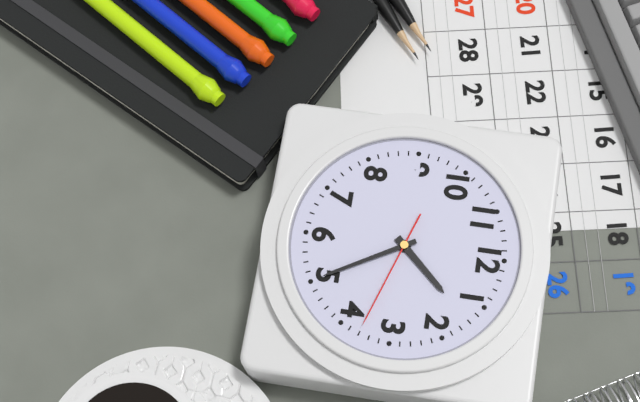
1:25:18
